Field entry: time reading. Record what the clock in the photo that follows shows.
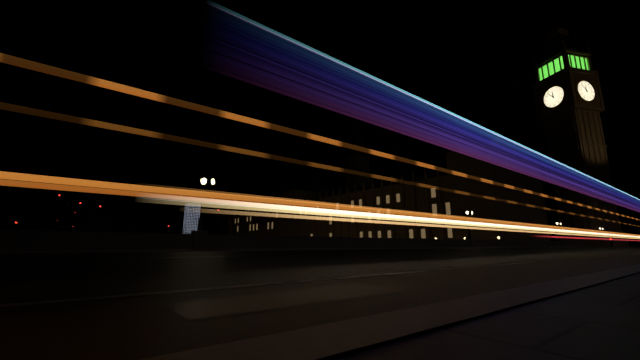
11:53
